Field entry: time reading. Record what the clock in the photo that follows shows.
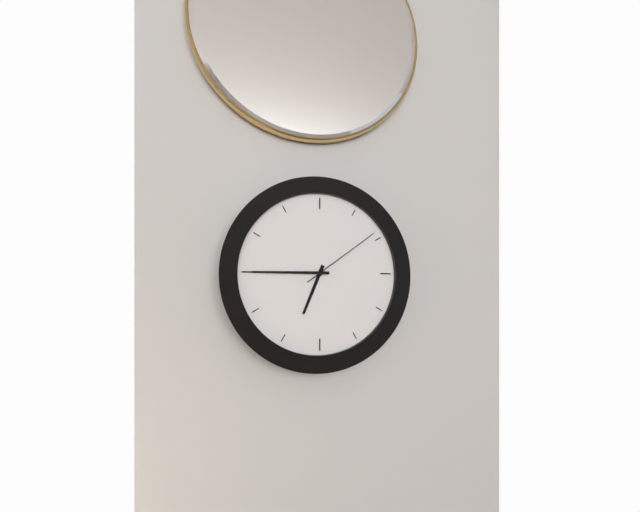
6:45:09
